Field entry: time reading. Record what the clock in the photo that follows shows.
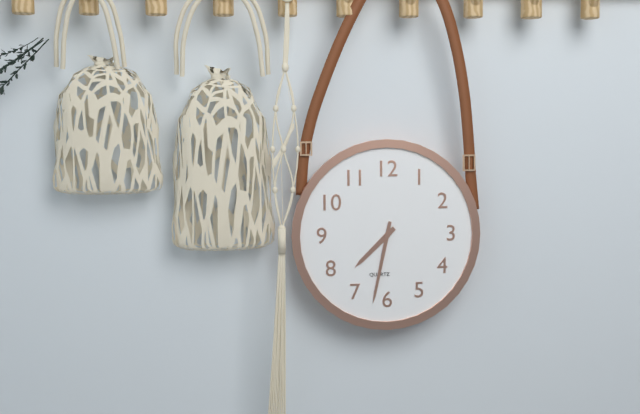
7:32
